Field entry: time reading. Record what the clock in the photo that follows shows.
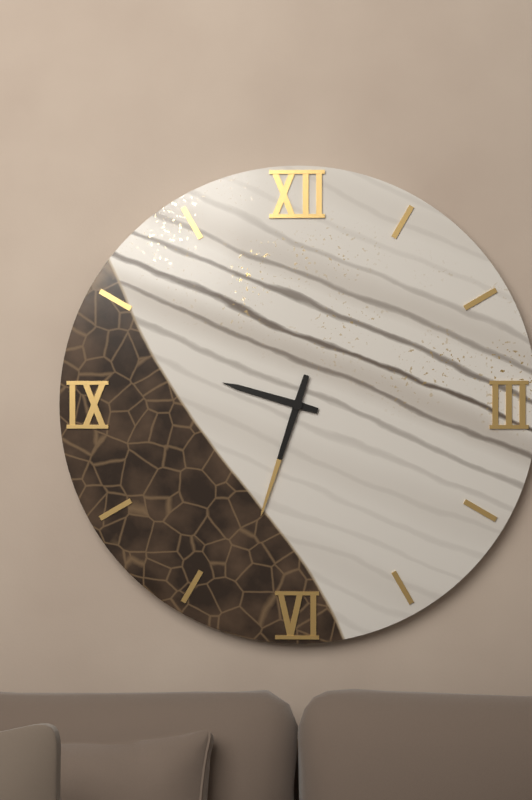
9:33
